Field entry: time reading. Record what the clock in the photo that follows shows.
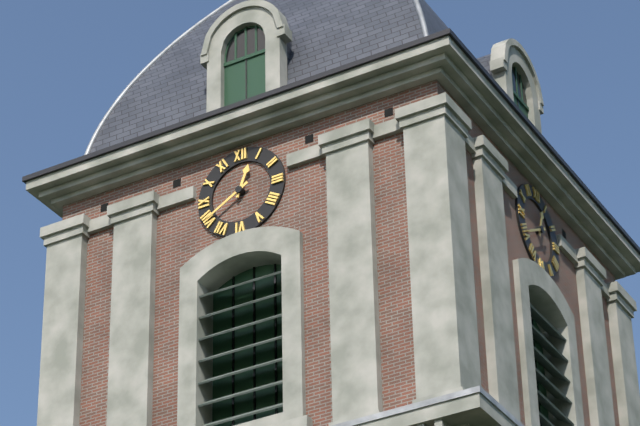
12:40
